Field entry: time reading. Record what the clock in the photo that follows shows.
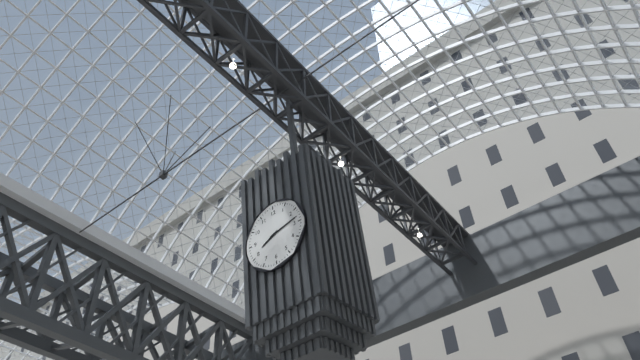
8:13
